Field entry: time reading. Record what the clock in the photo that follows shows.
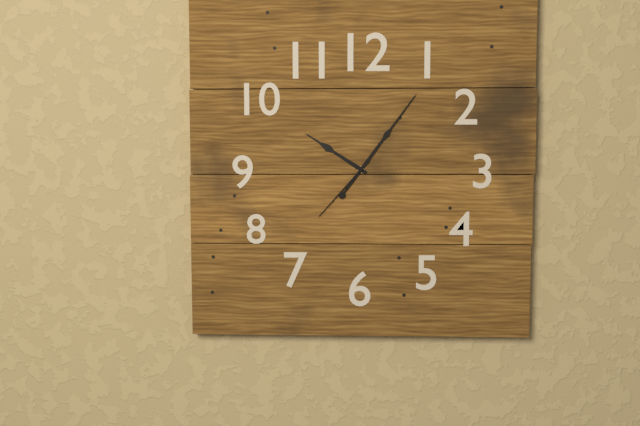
10:06:37
